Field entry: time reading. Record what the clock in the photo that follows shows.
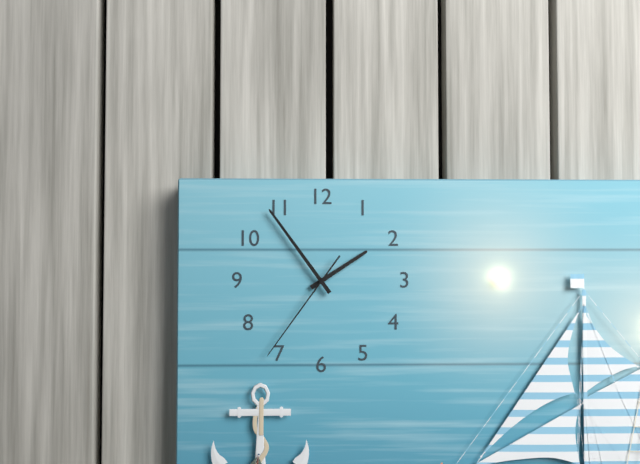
1:54:36
